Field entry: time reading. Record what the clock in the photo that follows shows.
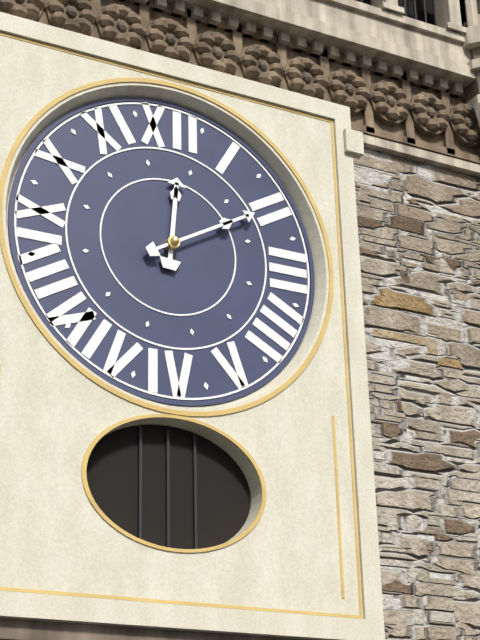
12:10
